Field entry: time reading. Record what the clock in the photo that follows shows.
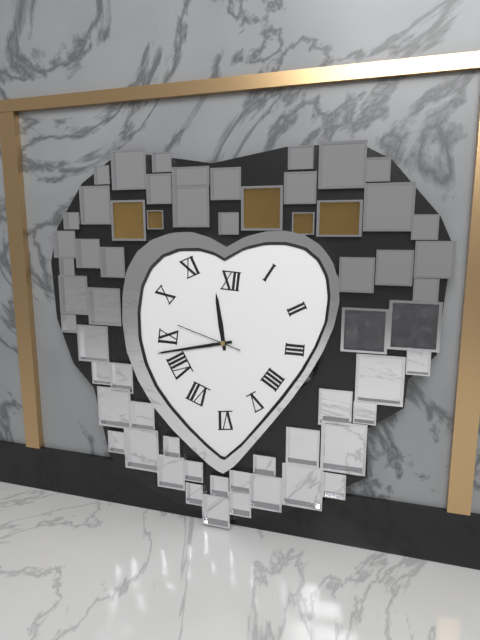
11:43:48
